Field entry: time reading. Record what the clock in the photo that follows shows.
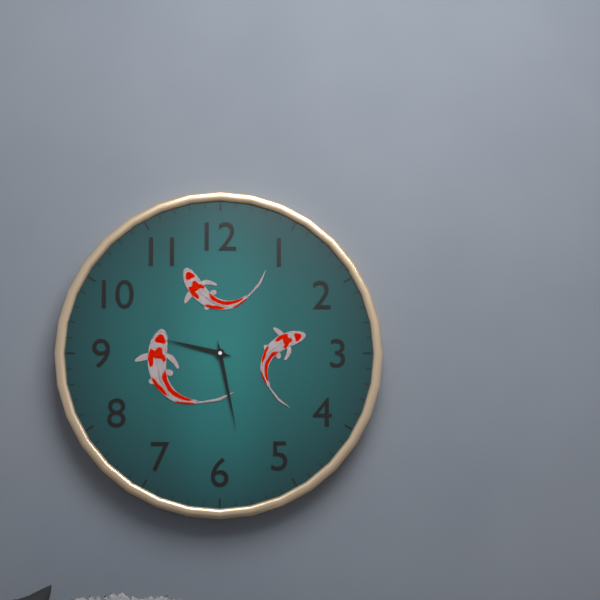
9:28
